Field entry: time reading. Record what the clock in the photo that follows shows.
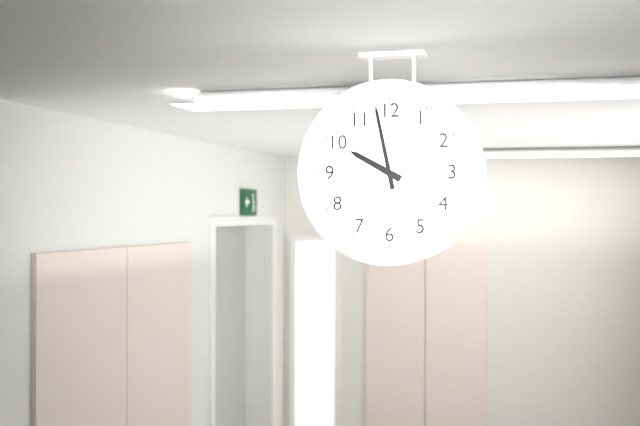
9:58
